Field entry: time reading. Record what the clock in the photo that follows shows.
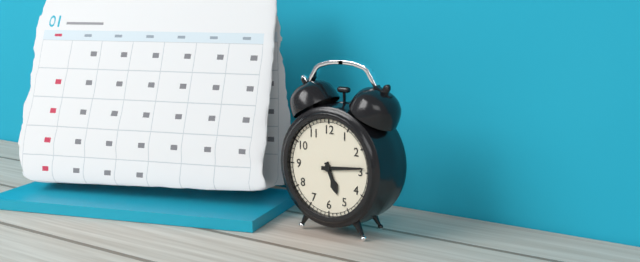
5:14
